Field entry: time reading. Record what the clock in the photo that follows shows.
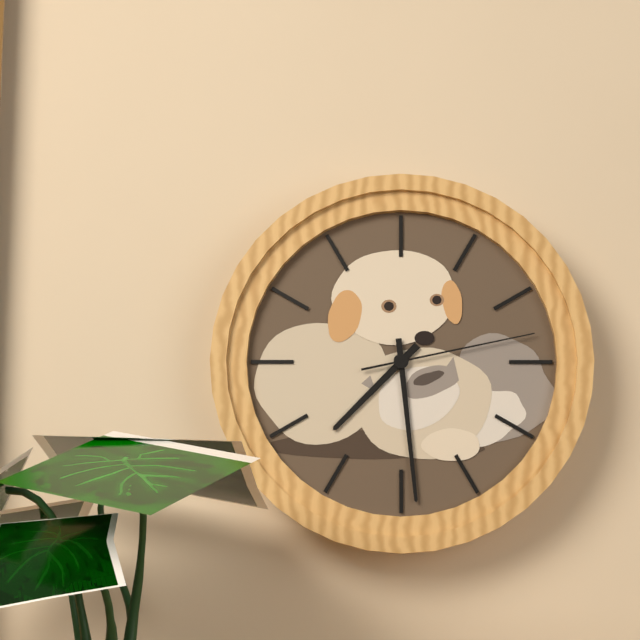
7:29:13
